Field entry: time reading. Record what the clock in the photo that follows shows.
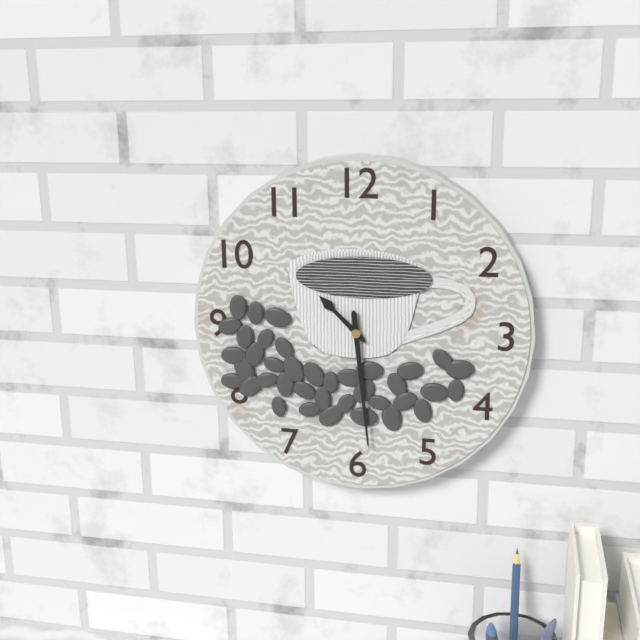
10:29
